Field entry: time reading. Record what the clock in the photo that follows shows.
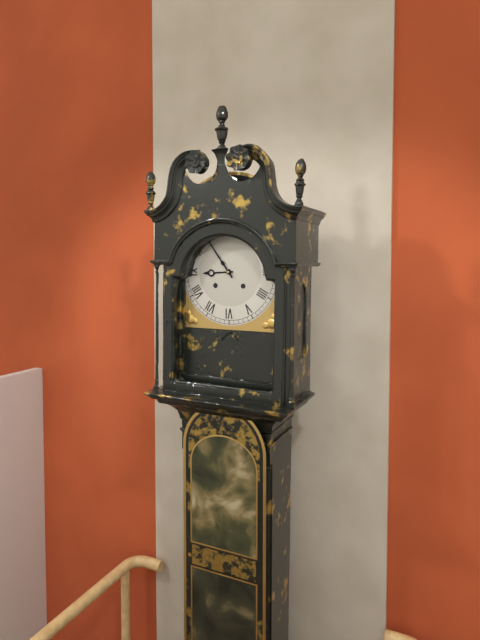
8:54
